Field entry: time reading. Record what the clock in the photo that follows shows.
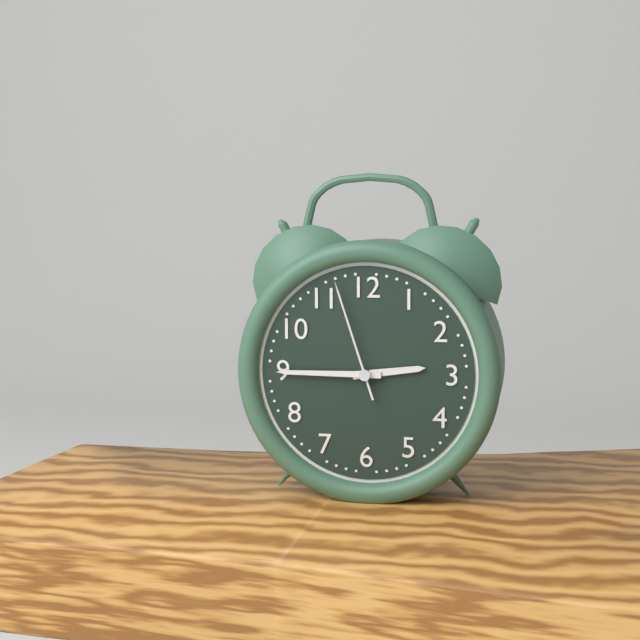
2:45:57
